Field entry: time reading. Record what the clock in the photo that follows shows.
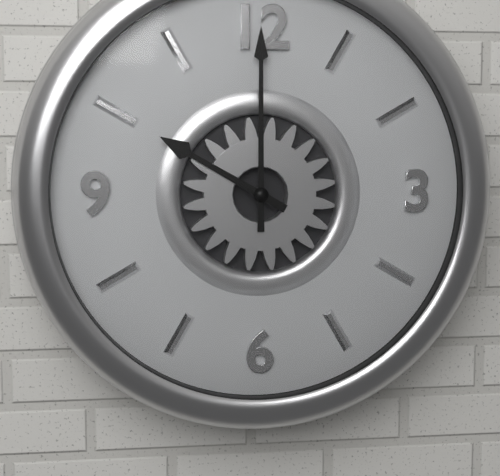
10:00
